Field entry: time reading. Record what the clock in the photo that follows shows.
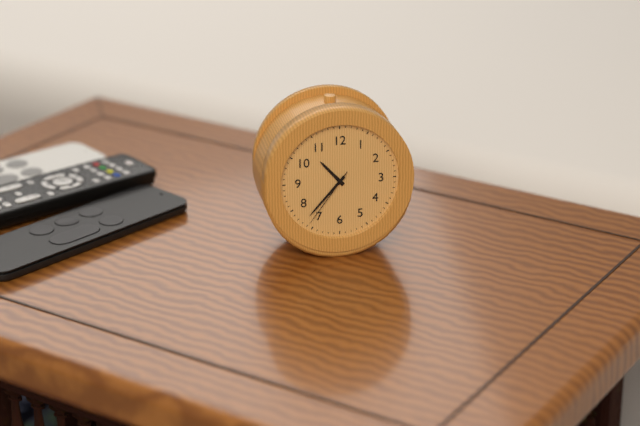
10:37:36
